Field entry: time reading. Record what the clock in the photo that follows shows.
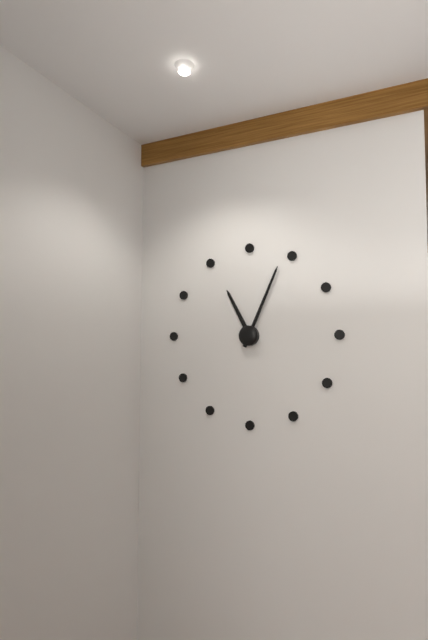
11:04
